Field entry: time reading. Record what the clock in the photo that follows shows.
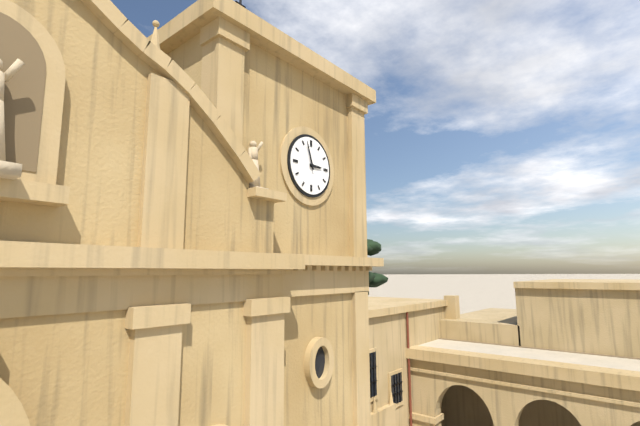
2:57
